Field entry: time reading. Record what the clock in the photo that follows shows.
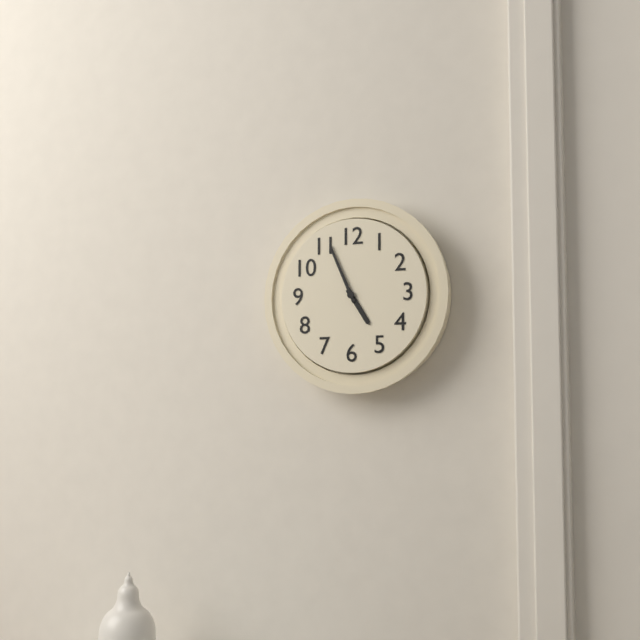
4:56
